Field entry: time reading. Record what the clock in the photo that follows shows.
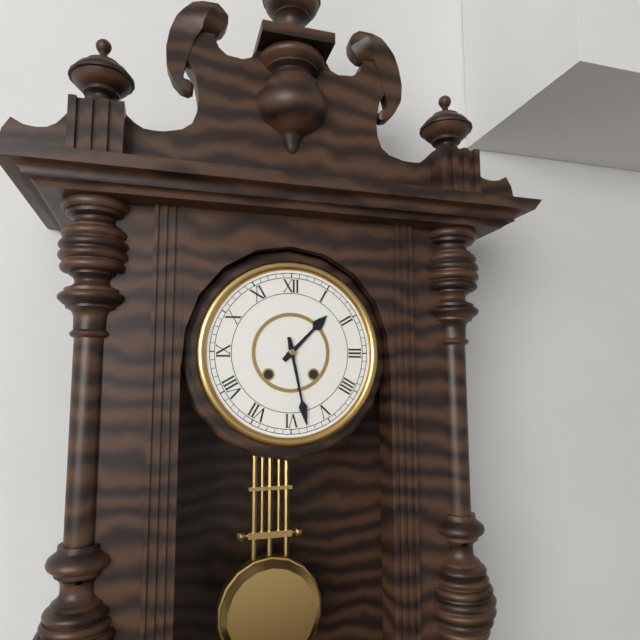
1:28
